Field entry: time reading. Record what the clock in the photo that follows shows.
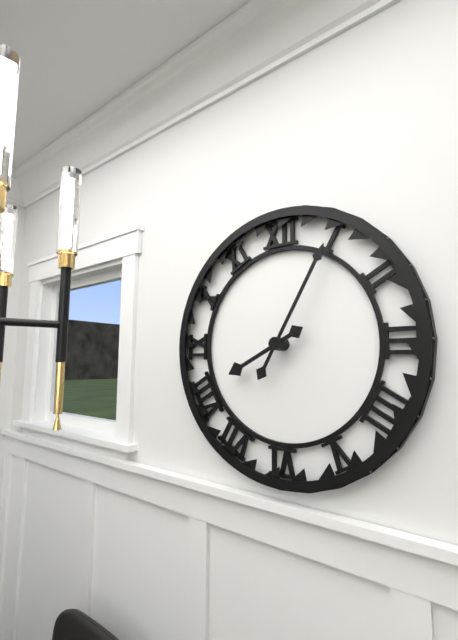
8:05
